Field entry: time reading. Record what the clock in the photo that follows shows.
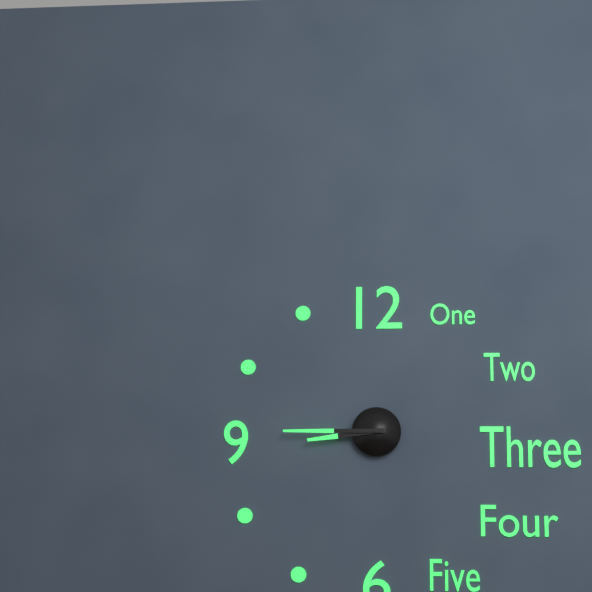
8:45
